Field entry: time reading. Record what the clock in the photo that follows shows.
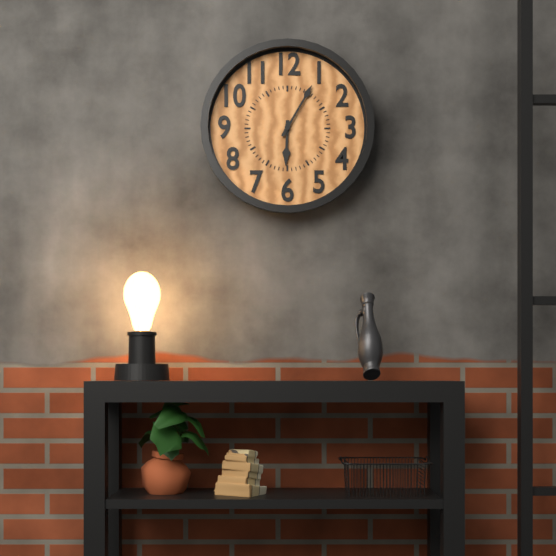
6:05
